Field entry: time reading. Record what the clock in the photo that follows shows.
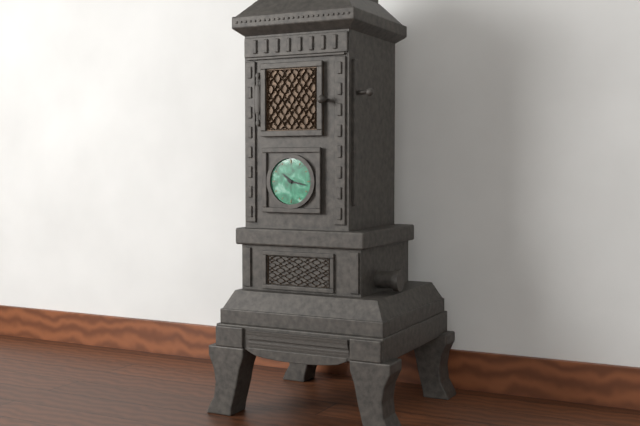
10:17
